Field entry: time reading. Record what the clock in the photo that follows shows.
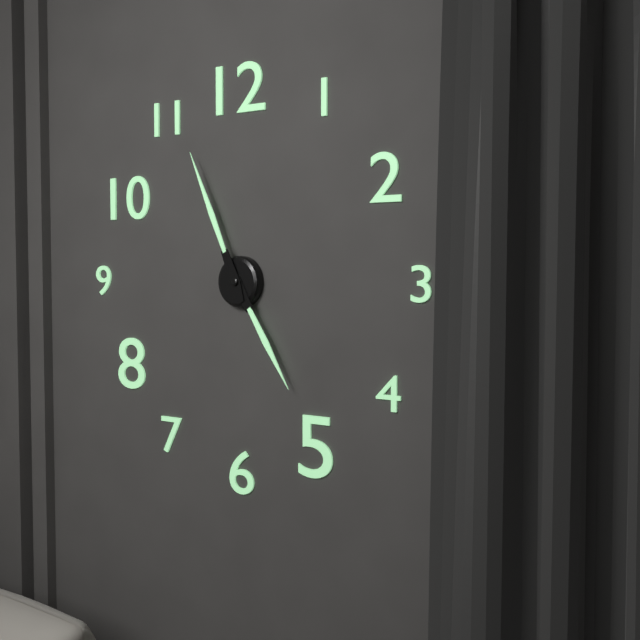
4:56
